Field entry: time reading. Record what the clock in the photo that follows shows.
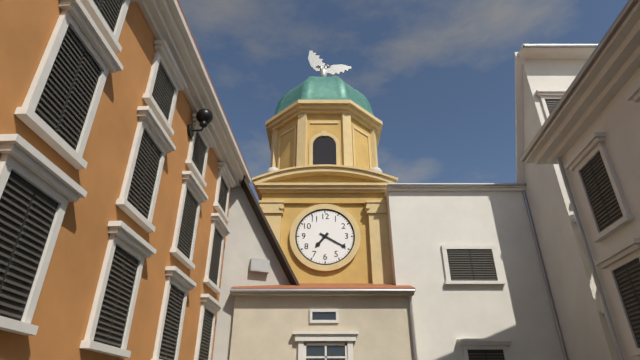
7:20
